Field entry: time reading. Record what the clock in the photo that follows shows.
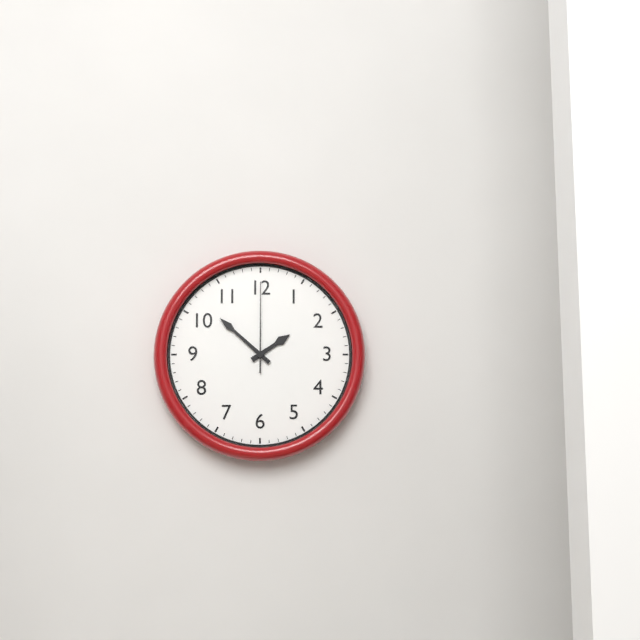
1:52:00
